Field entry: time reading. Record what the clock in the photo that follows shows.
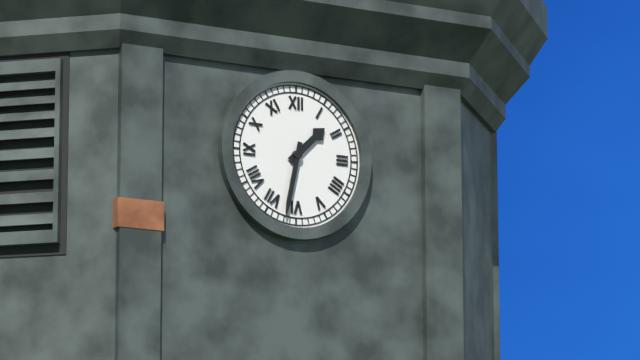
1:32
